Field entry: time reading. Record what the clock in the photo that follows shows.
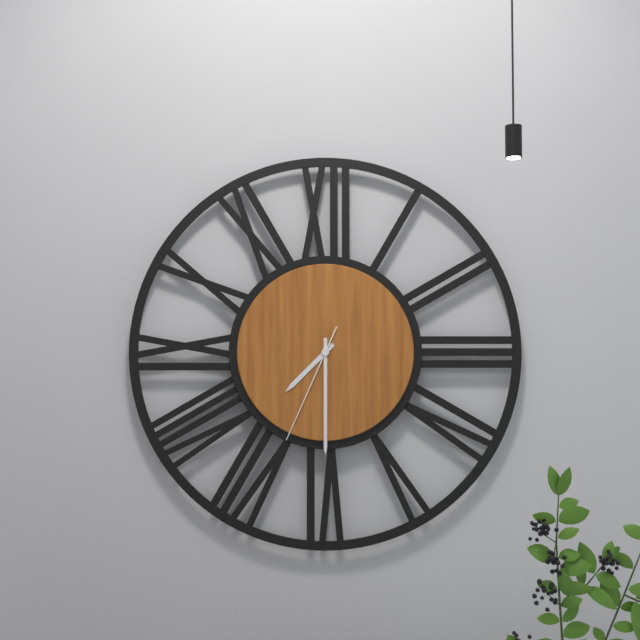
7:30:34
